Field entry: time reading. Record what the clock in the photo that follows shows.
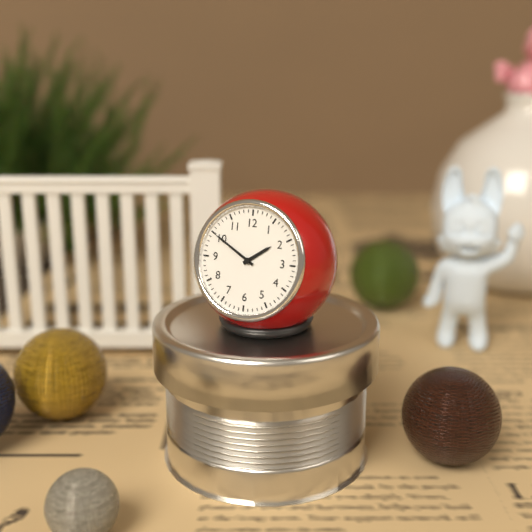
1:50
